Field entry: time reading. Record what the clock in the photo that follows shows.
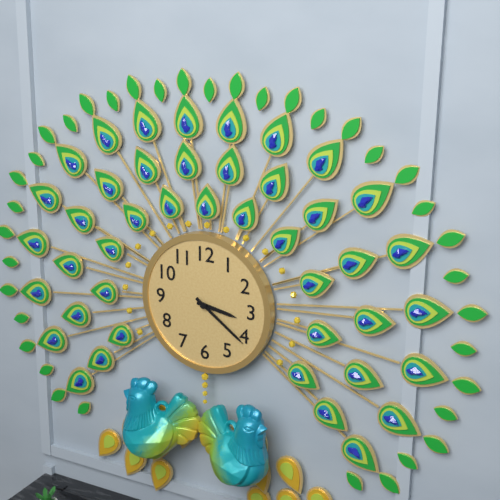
3:21
